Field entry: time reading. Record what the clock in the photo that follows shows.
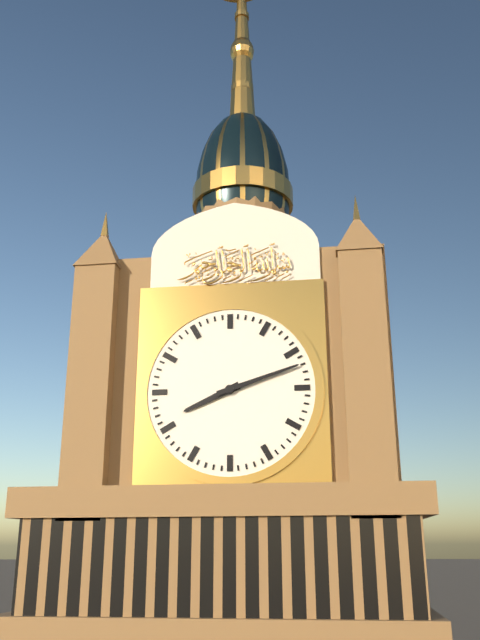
8:12
